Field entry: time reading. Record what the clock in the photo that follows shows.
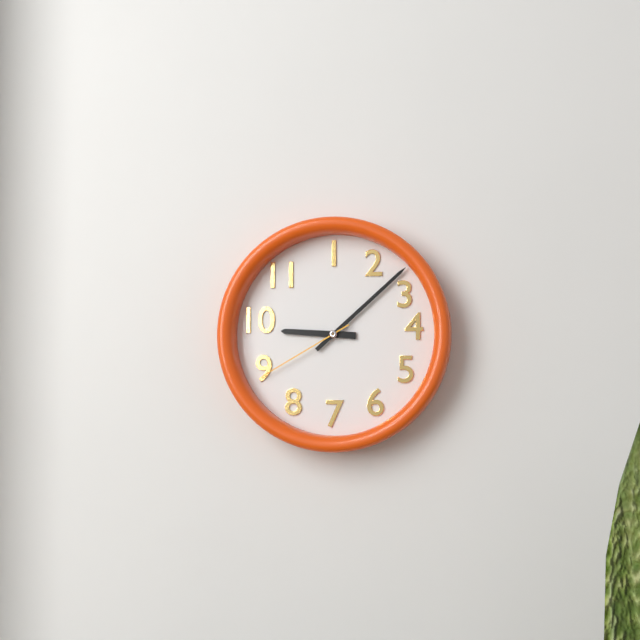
9:08:40
